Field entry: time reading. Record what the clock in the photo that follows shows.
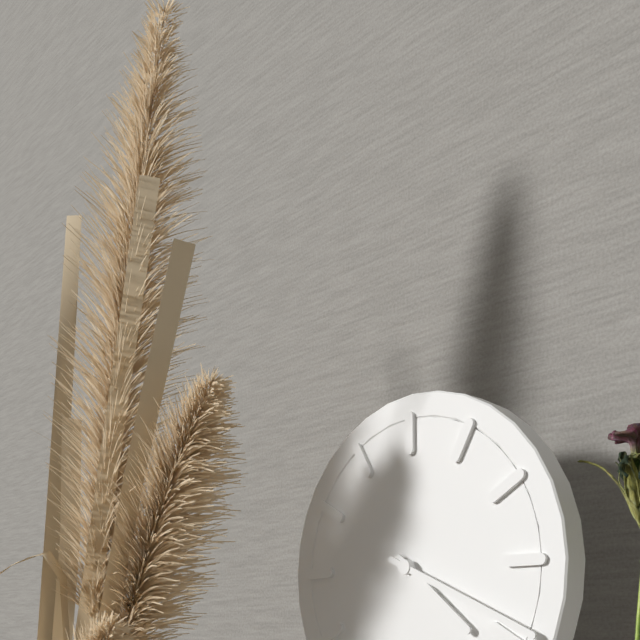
4:19
